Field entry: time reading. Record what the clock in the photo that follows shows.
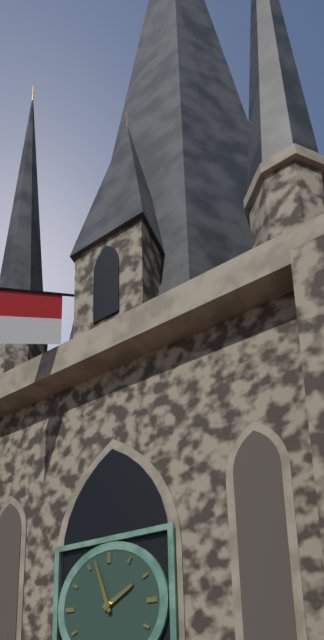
1:57
